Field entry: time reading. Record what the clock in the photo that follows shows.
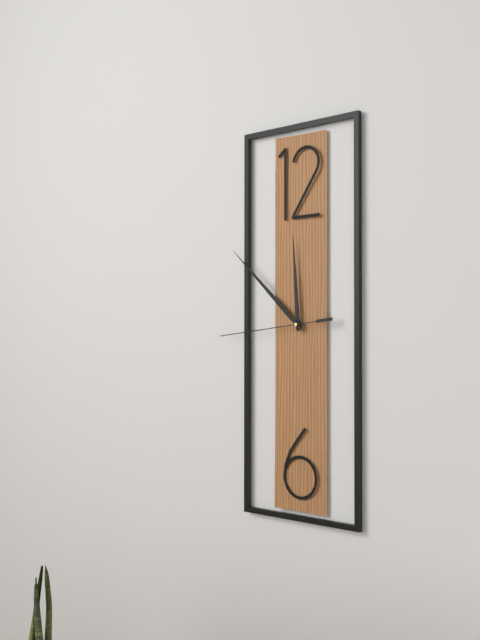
11:52:44
